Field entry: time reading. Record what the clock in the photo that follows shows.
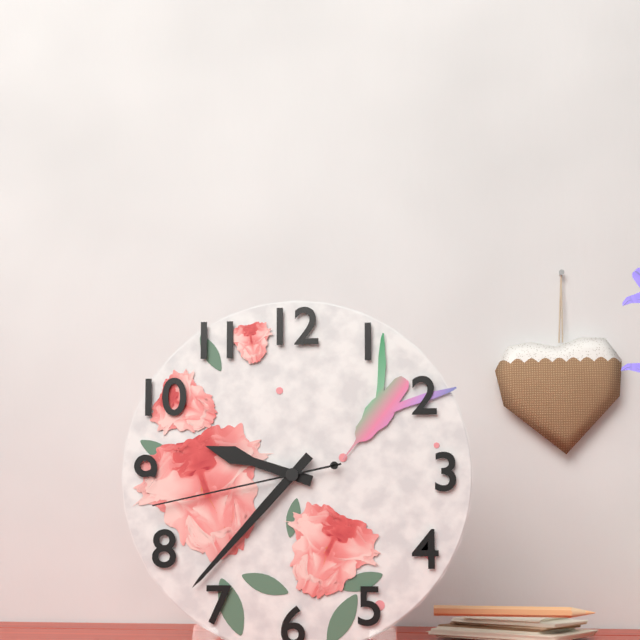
9:37:43
